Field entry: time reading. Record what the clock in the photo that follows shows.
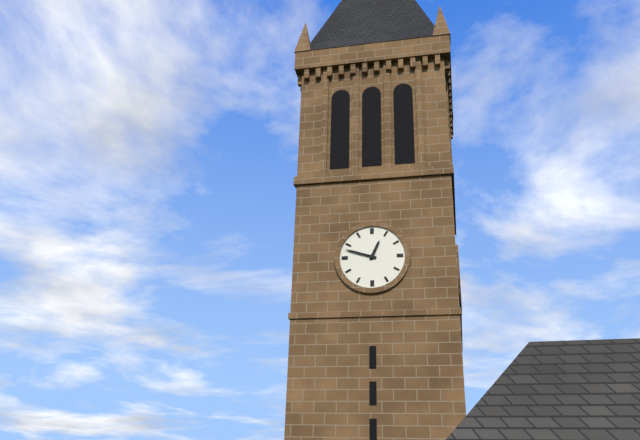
12:48
